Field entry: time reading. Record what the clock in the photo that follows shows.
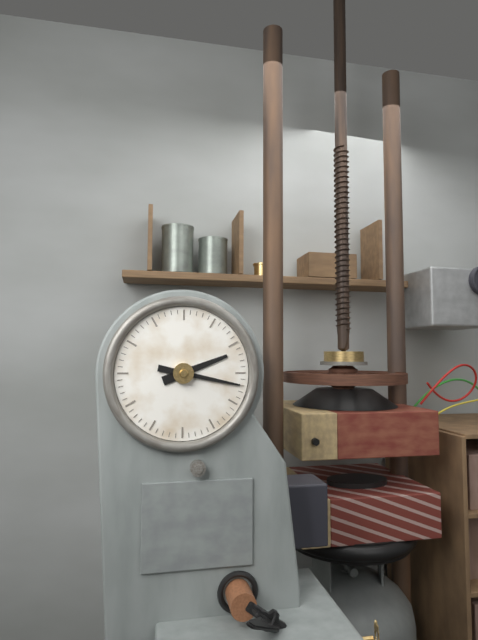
2:17
